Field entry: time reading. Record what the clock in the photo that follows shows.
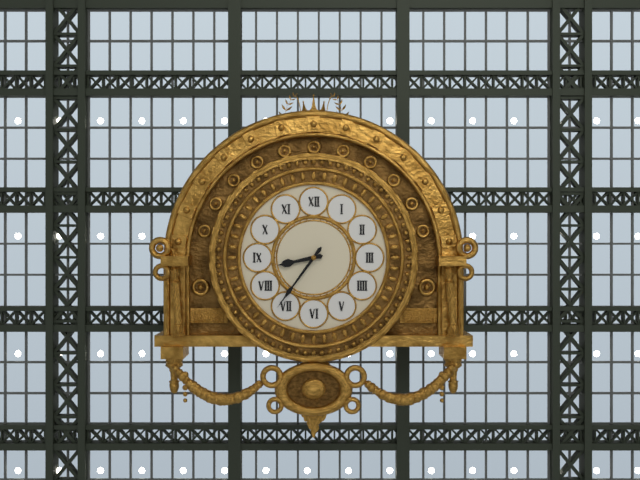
8:36
